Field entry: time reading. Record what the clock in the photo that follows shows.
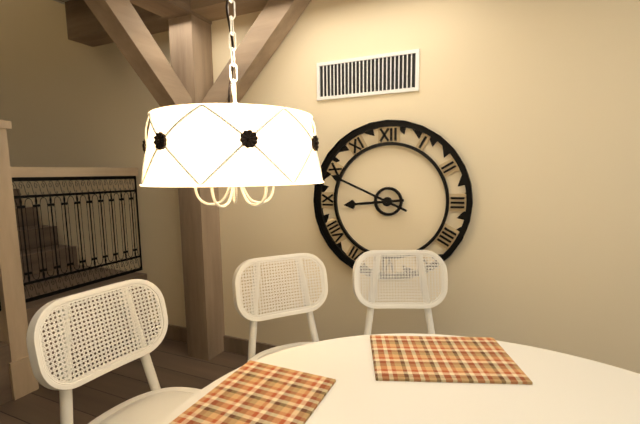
8:49
